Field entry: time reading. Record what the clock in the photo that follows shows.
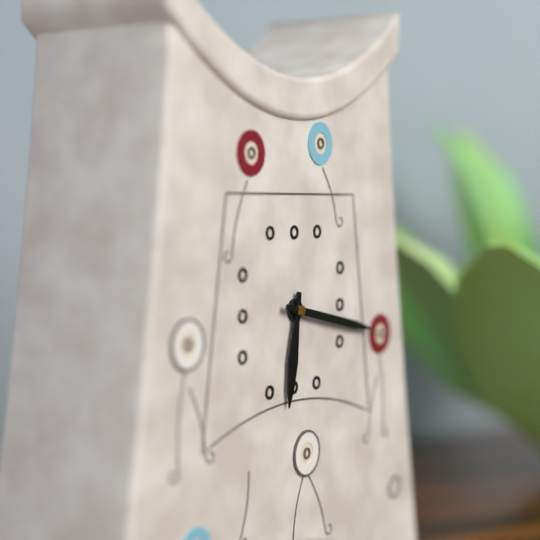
6:17
